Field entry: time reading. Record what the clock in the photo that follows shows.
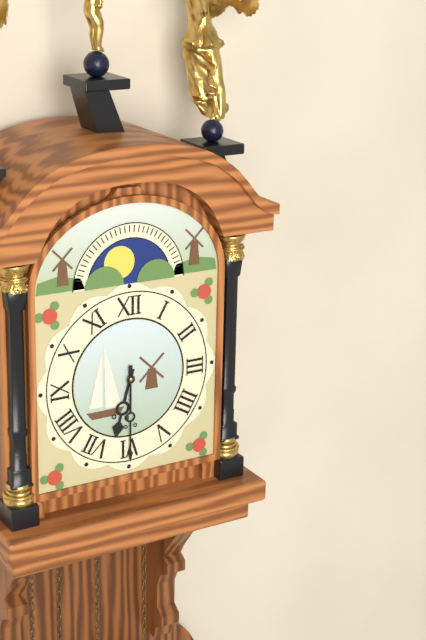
6:30
